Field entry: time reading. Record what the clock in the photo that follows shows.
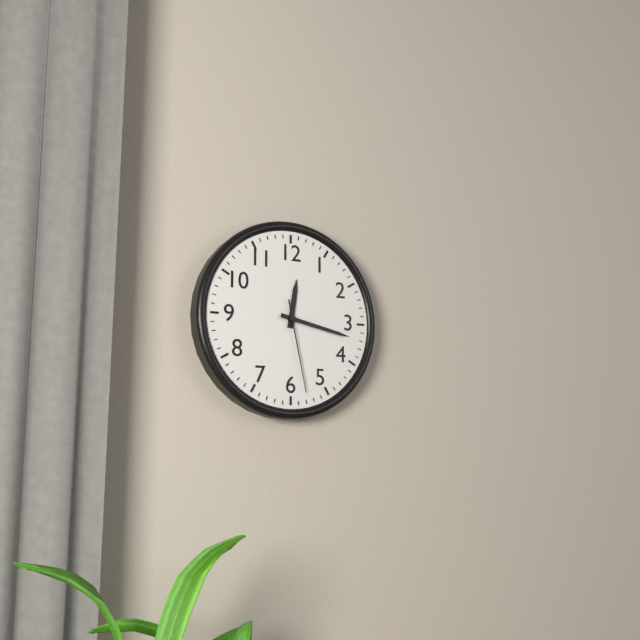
12:17:28
